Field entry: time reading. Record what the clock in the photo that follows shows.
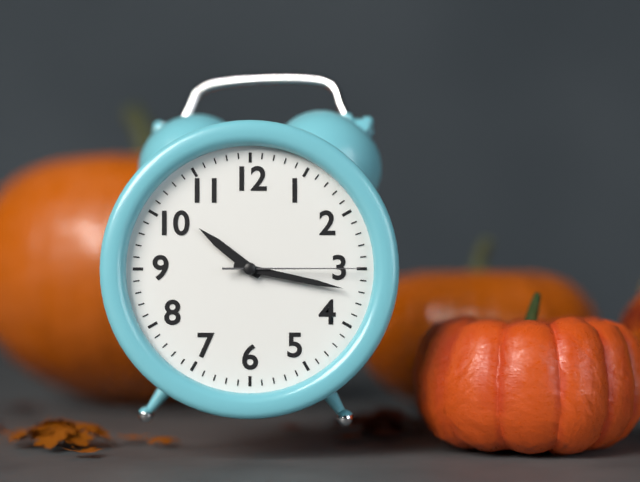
10:17:15
